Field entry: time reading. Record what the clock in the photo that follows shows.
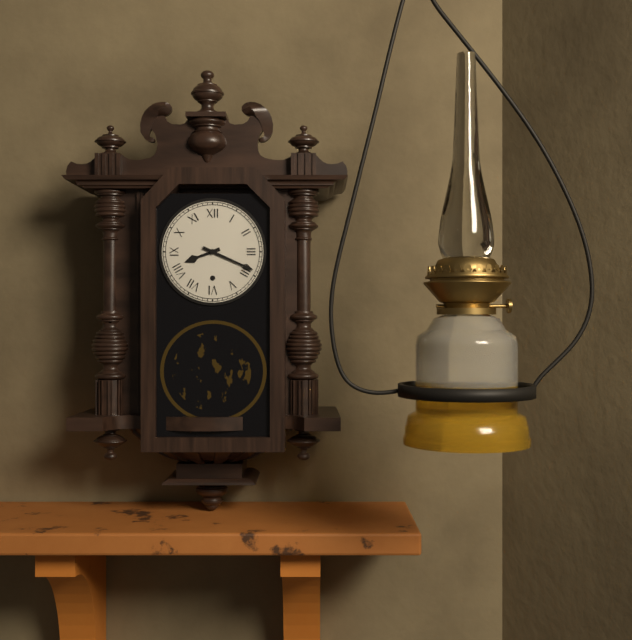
8:19
